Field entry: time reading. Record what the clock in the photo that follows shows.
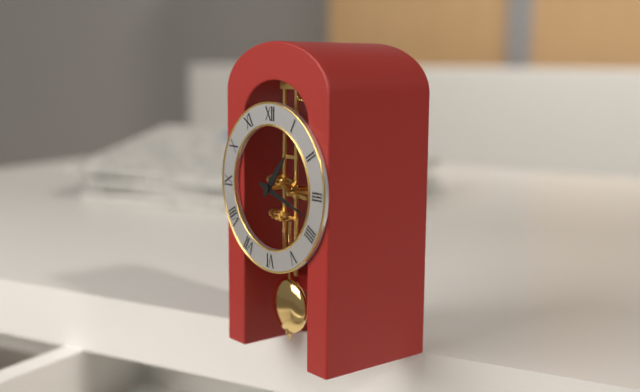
1:18
